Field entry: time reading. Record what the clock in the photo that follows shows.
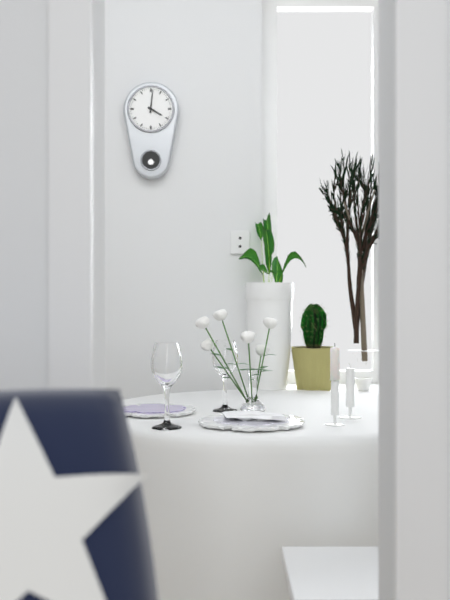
4:01
